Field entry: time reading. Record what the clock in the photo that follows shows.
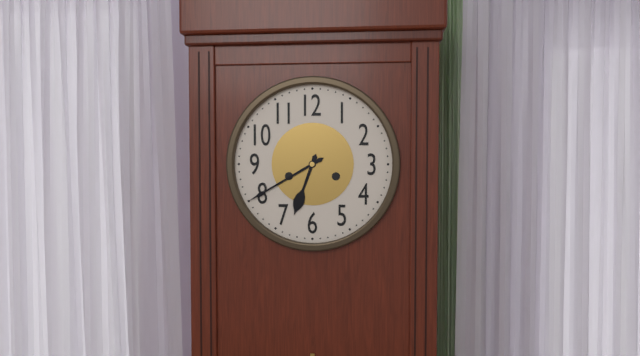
6:40
